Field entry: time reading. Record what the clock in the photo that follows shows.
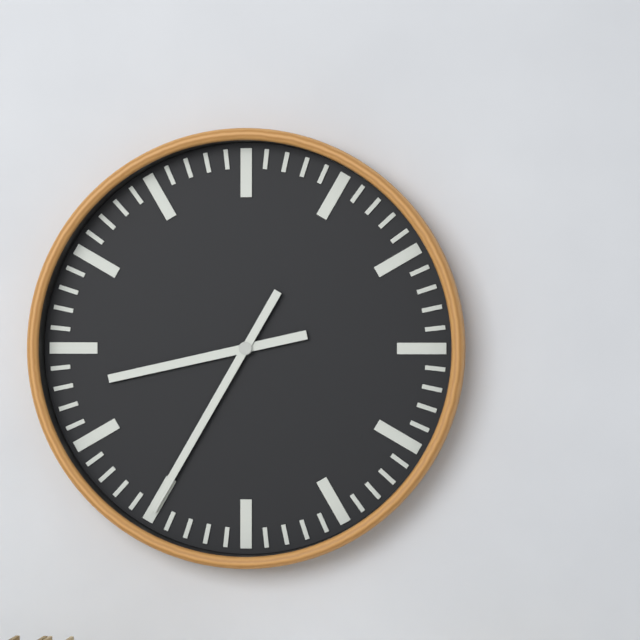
8:35
